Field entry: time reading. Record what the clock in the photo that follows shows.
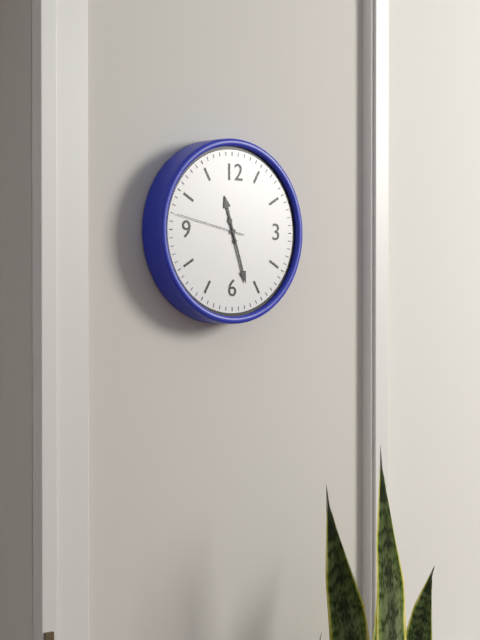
11:27:47
